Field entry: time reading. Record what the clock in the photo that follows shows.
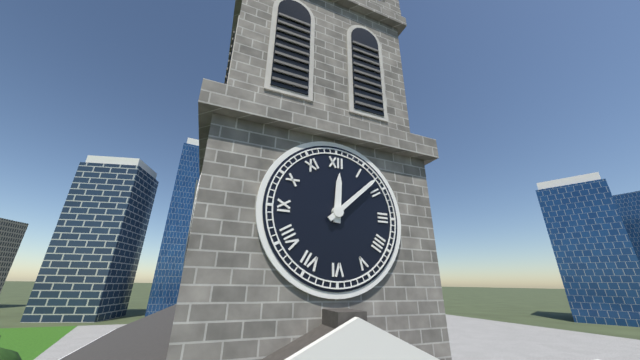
12:08
